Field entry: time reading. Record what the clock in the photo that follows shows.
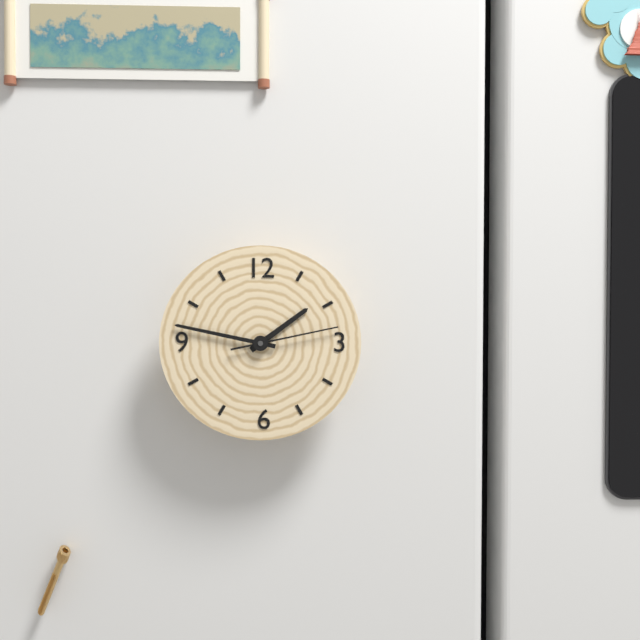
1:47:13
